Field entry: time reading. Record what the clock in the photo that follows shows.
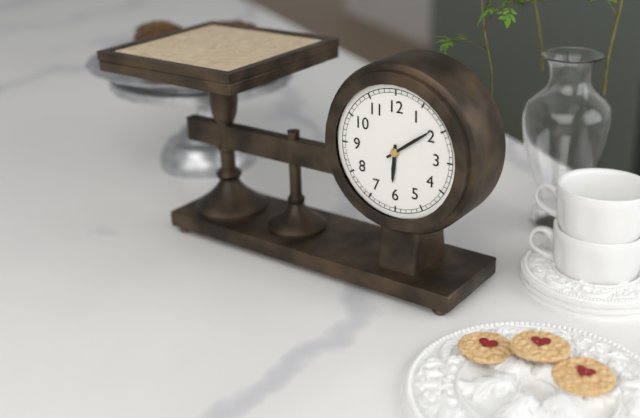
6:09
